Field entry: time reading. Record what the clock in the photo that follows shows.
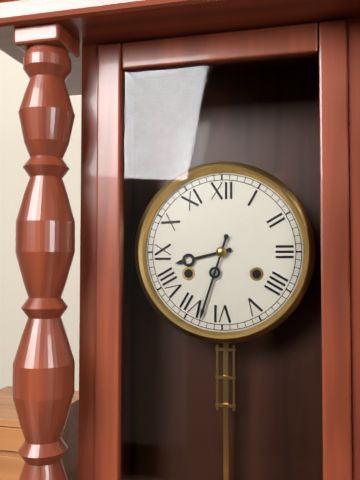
8:33
